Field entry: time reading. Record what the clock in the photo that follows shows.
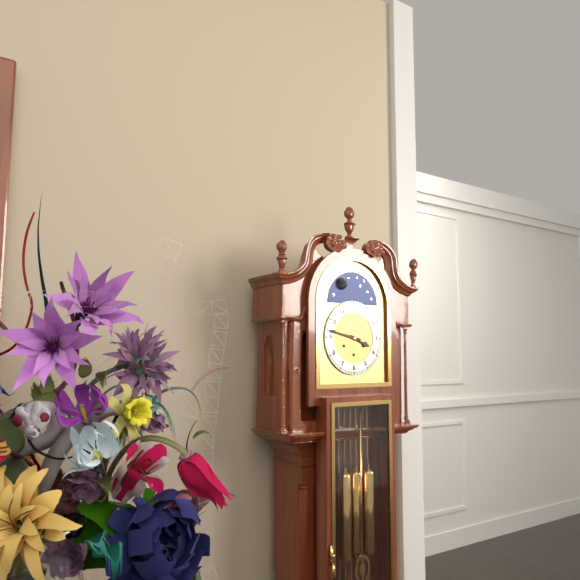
3:47
